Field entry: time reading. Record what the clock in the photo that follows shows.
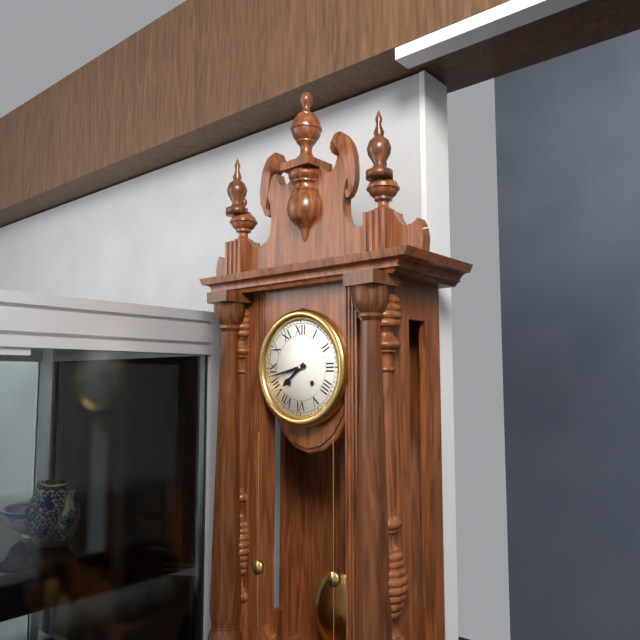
7:43
